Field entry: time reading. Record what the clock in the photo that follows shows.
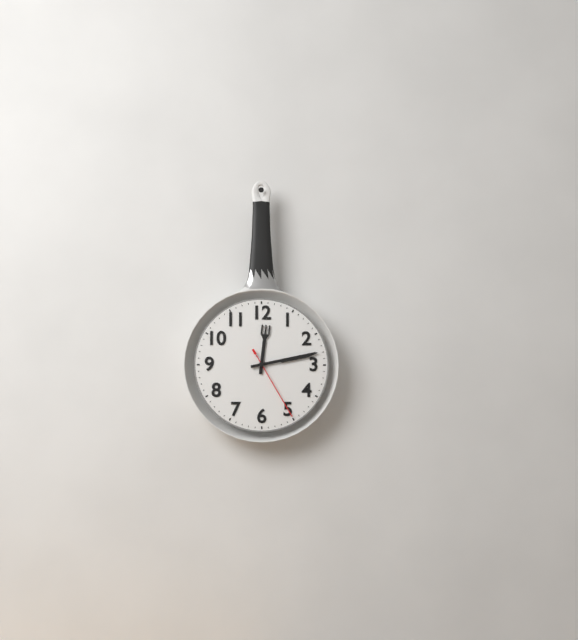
12:13:25
